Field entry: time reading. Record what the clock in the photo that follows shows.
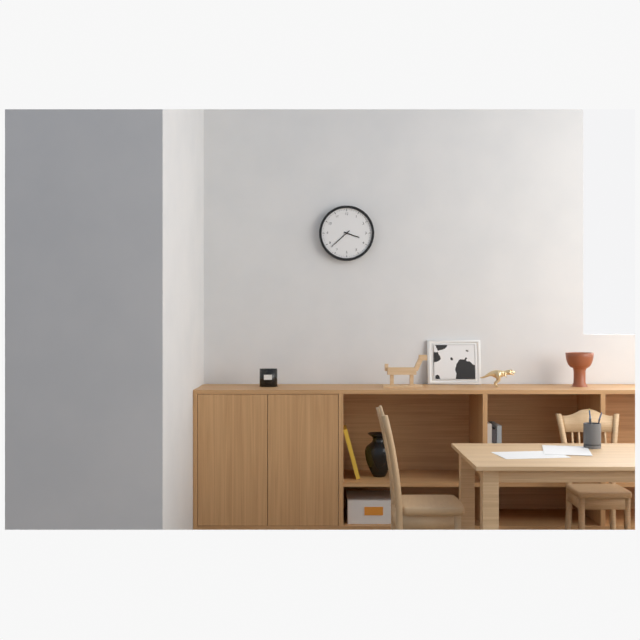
3:38
